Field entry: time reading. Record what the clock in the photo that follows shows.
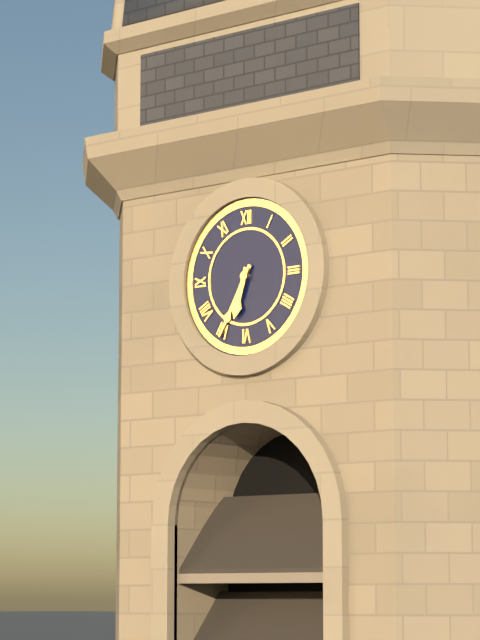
6:35
